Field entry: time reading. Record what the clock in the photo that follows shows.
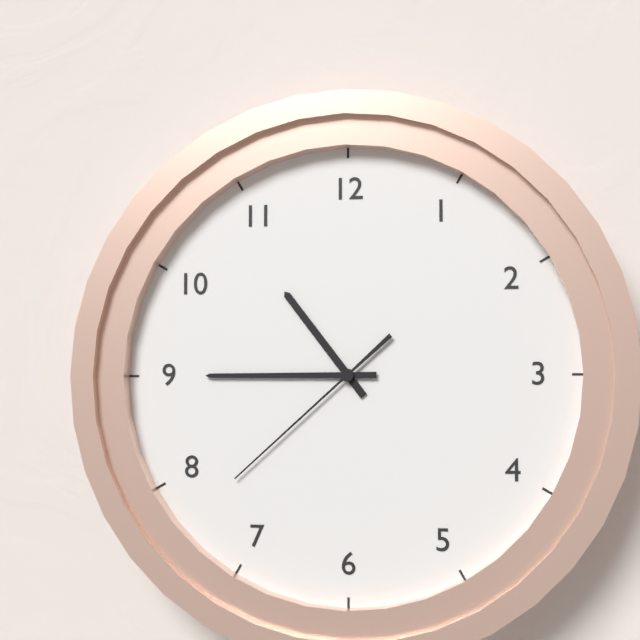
10:45:38
